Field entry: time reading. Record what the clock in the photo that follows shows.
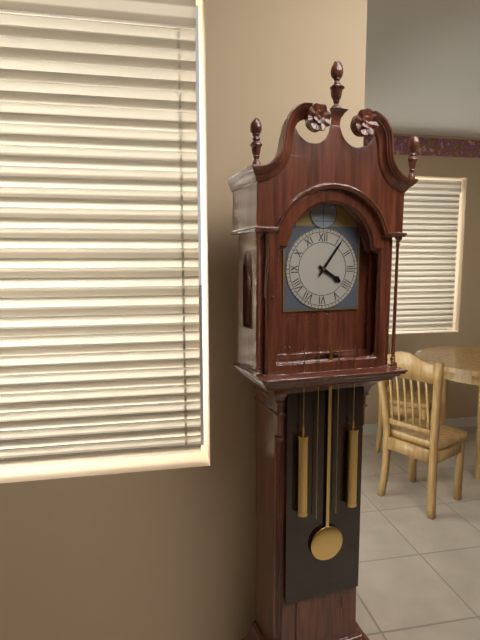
4:06
